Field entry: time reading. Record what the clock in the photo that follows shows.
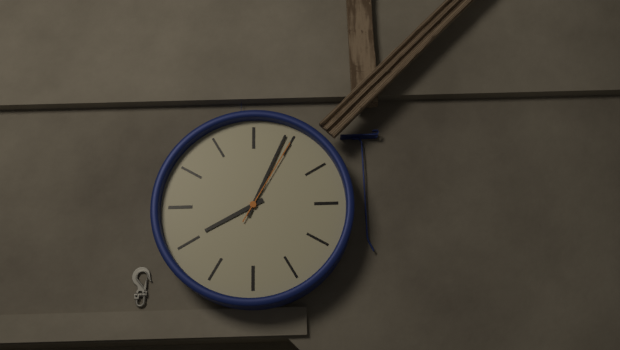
8:04:05
